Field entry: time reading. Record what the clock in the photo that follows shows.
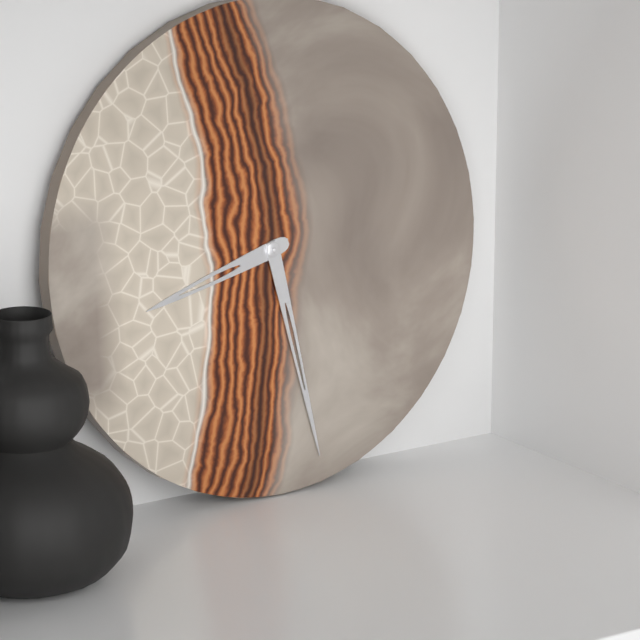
8:28
